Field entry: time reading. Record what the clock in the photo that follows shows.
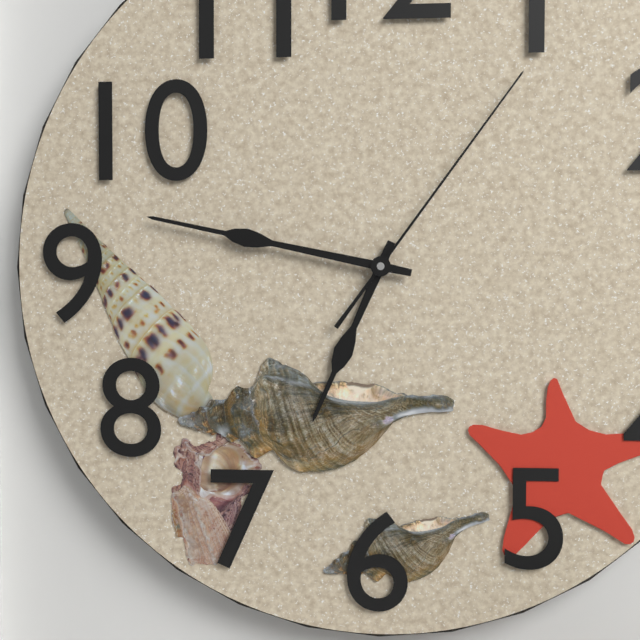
6:47:06
